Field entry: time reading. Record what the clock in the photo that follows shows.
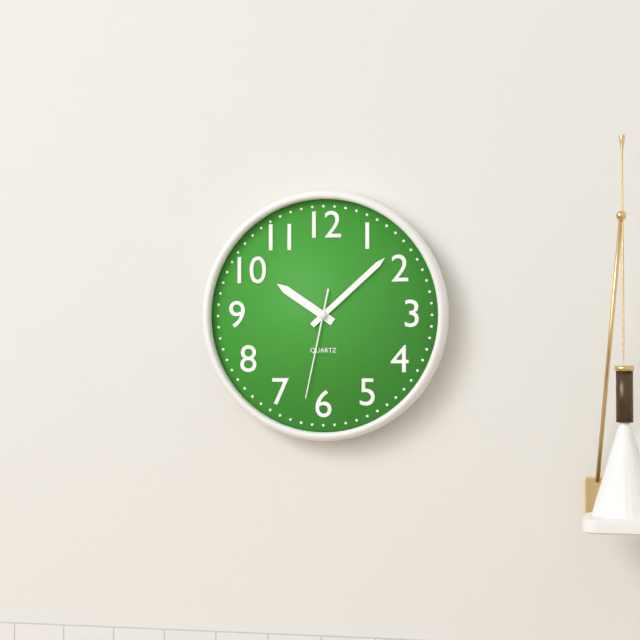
10:08:32
